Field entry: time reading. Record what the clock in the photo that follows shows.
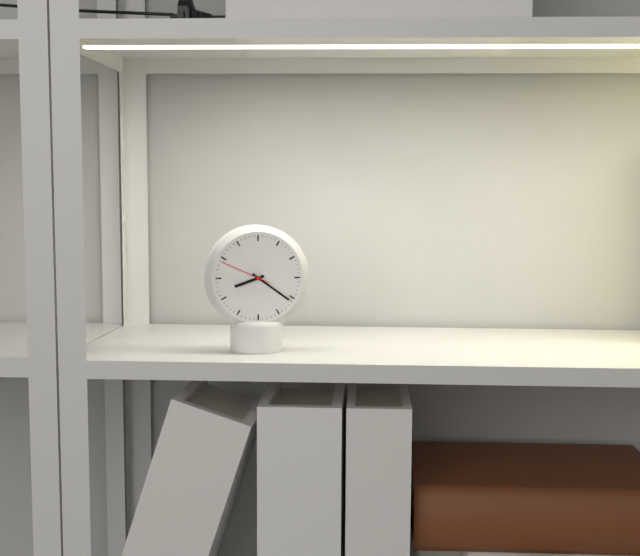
8:21:49
